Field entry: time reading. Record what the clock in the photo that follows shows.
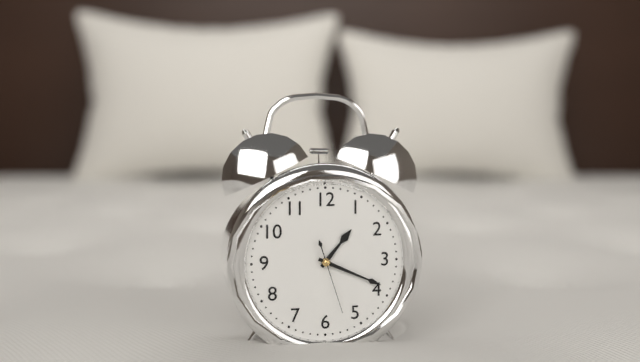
1:19:27
